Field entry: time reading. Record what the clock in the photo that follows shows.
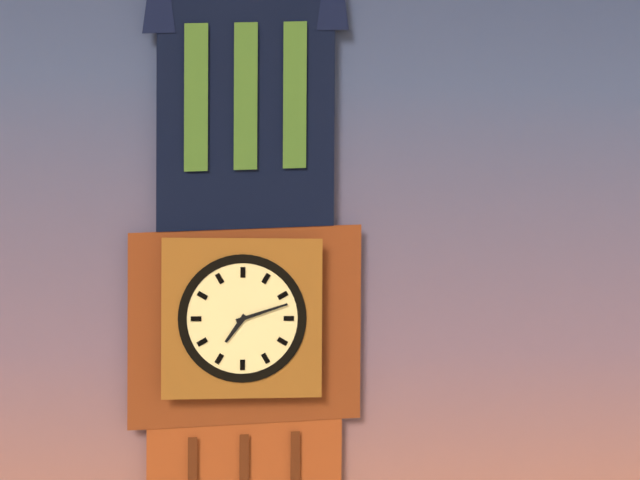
7:12
